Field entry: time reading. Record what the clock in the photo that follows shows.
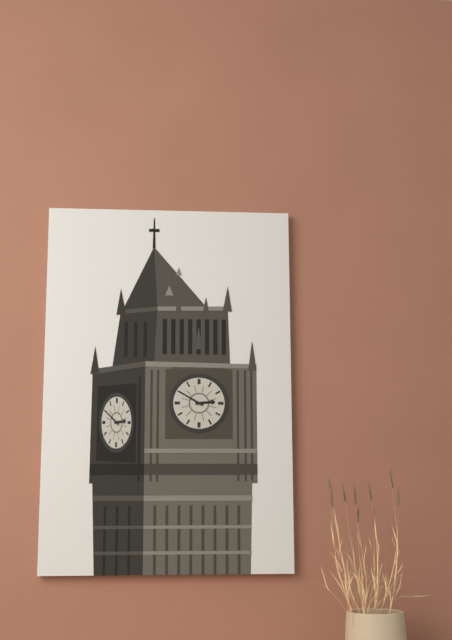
2:50
